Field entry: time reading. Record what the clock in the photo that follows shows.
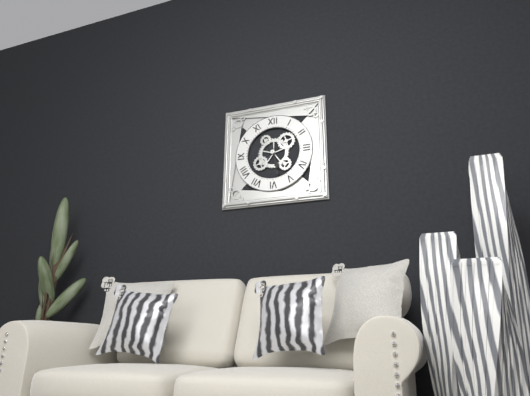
5:28
